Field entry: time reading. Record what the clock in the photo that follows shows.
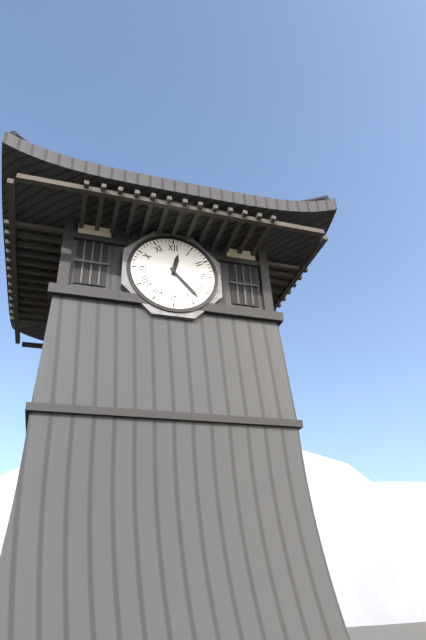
12:23
